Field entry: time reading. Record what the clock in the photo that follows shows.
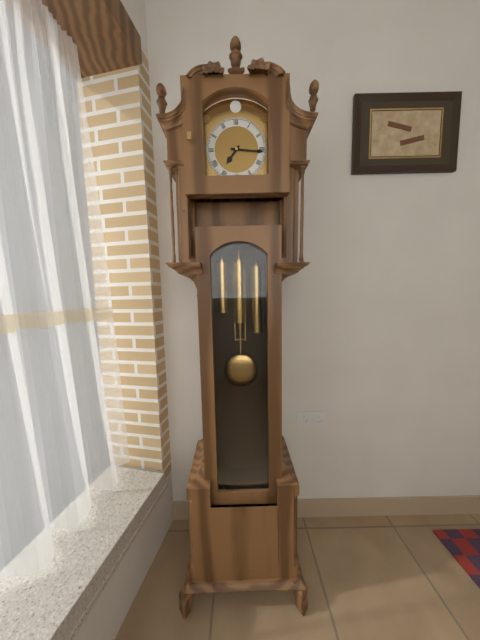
7:16
